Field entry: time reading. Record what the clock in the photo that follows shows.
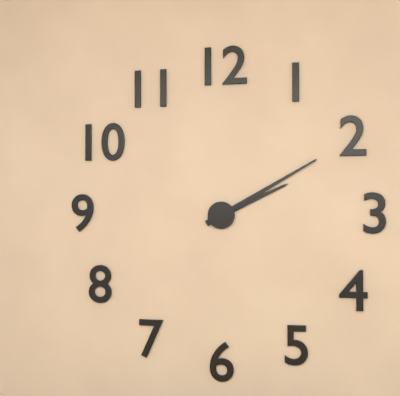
2:10
